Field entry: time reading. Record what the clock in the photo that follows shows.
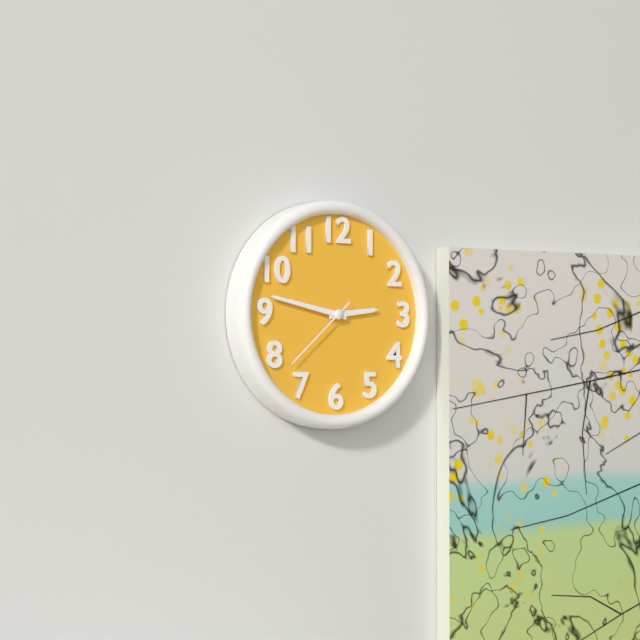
2:47:38
